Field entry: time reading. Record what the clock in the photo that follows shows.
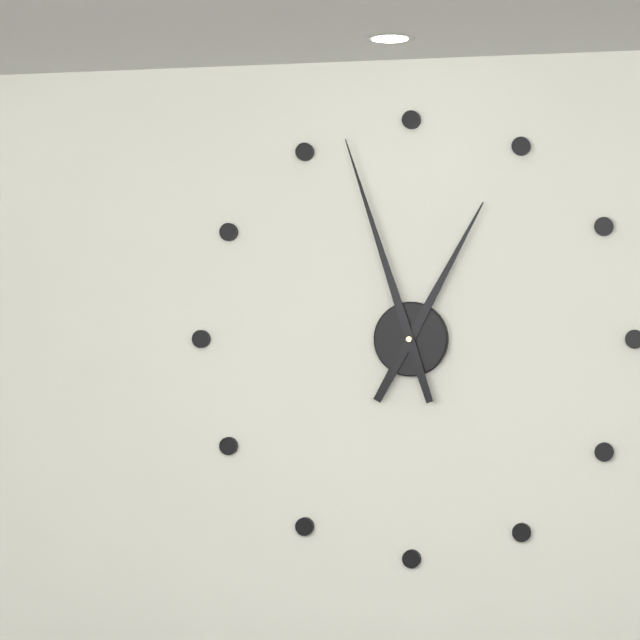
12:57
